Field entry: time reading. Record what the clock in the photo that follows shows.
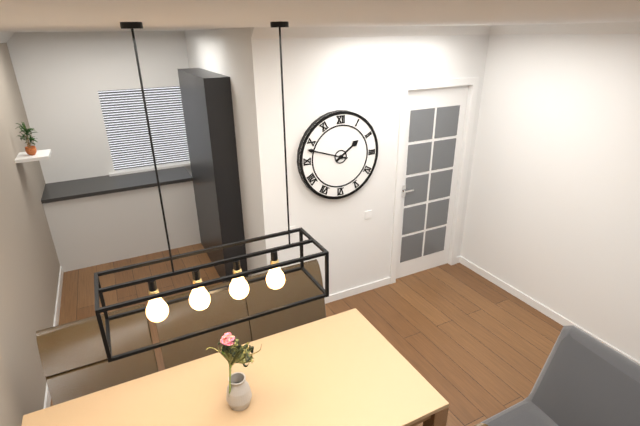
1:48
